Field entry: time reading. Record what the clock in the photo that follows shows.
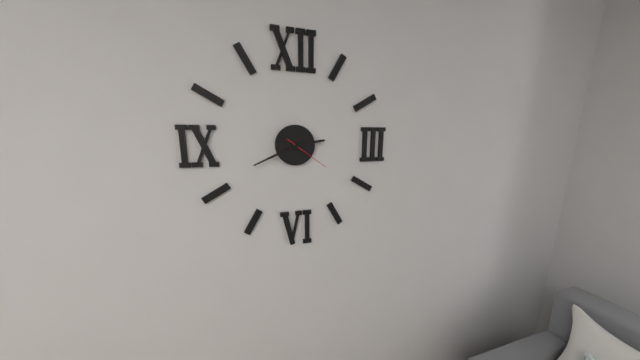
2:41
